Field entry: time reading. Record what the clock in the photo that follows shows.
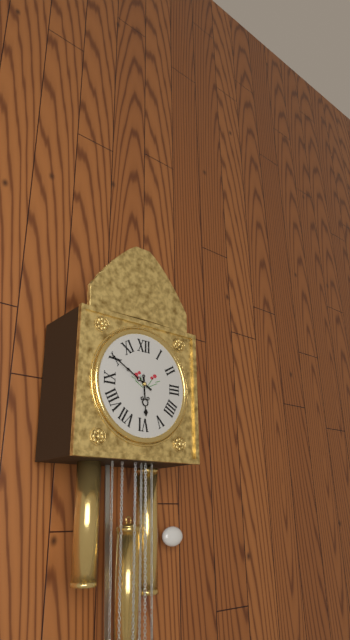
5:50
